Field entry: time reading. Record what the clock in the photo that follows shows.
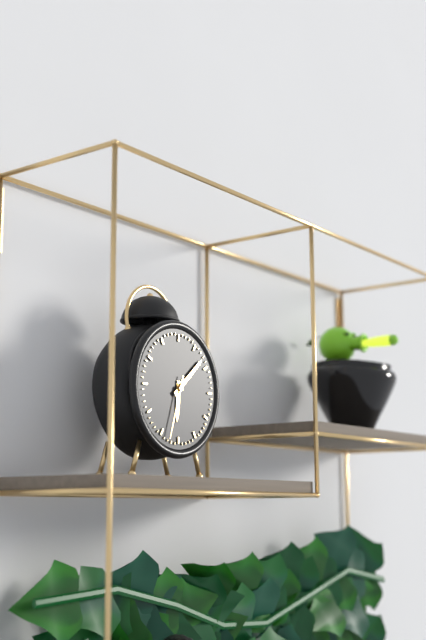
6:08:33
